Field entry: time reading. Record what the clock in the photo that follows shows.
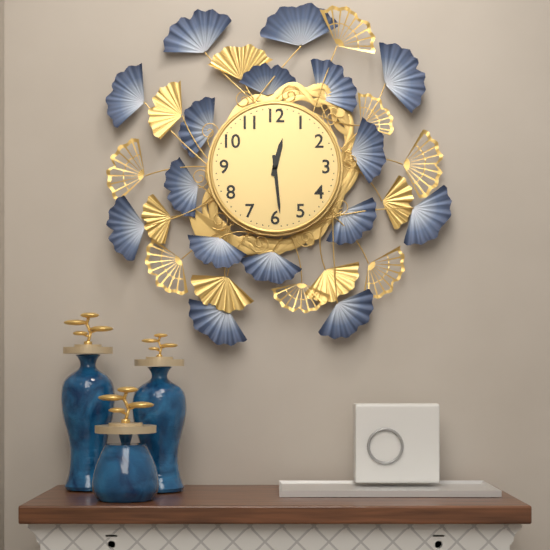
12:29
